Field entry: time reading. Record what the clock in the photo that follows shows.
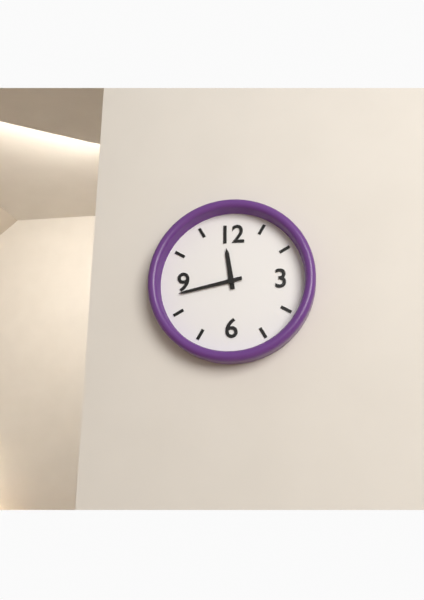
11:43
